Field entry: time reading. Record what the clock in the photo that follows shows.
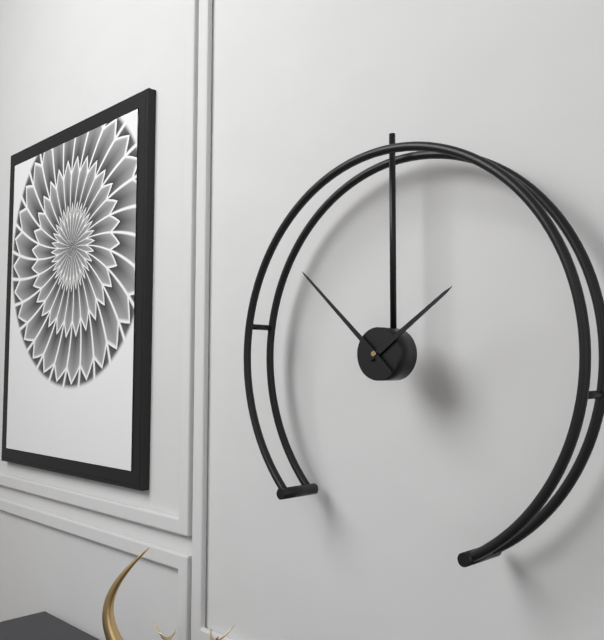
1:52
